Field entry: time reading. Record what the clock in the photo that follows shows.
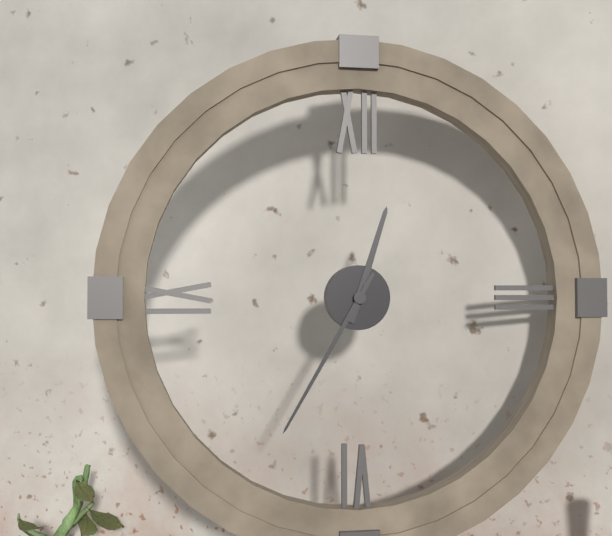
12:35
